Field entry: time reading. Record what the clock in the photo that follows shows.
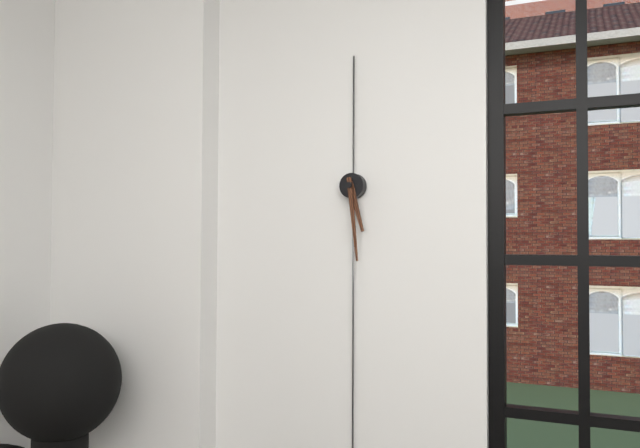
5:29
